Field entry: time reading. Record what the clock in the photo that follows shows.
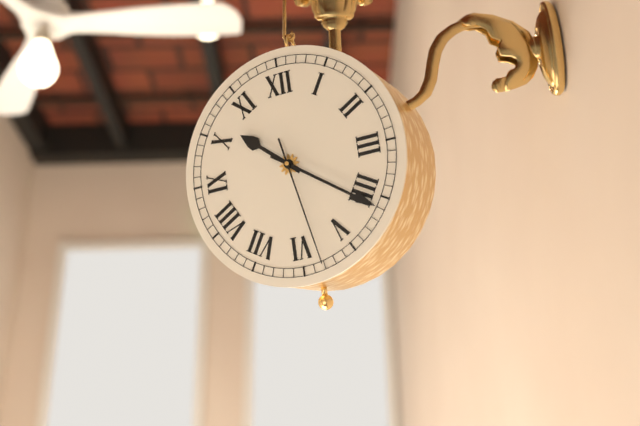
10:21:28
